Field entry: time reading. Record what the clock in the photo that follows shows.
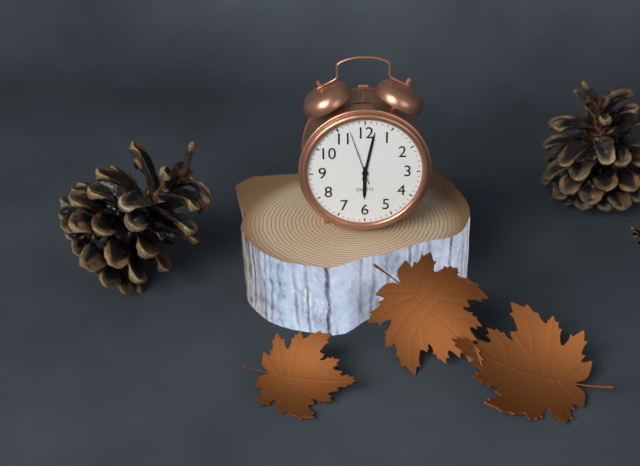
6:02:57
